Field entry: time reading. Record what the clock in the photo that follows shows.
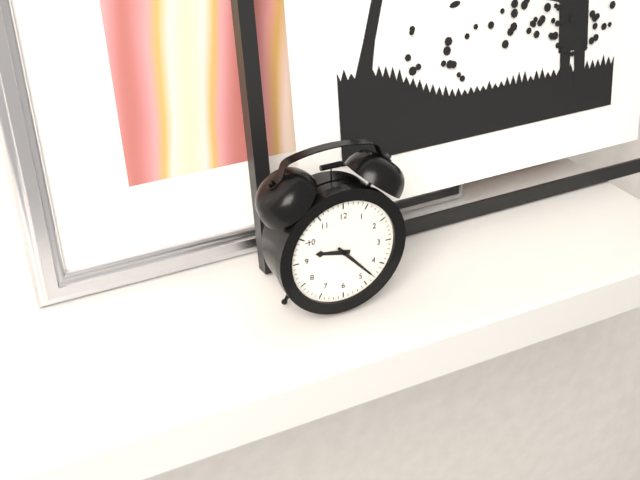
9:23
